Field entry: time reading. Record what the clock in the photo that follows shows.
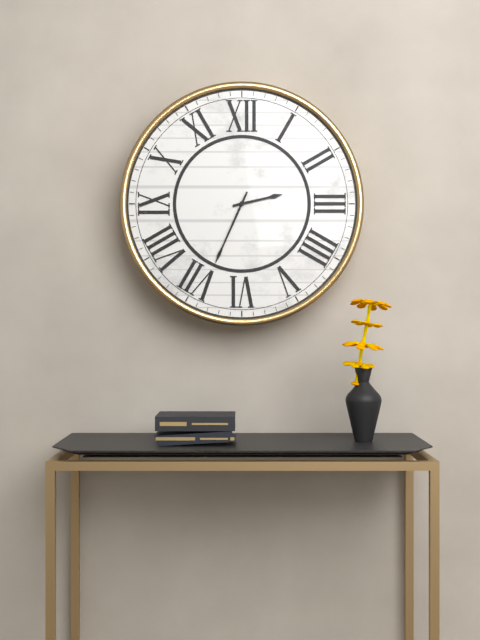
2:34
